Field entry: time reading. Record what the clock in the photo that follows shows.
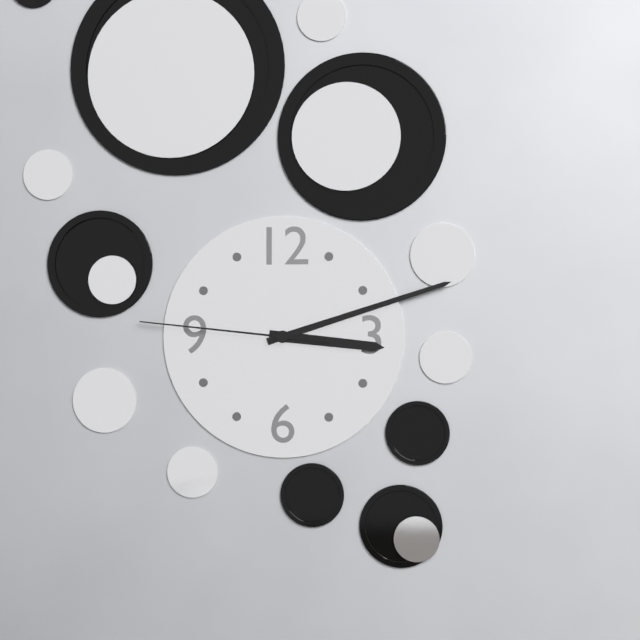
3:12:46
